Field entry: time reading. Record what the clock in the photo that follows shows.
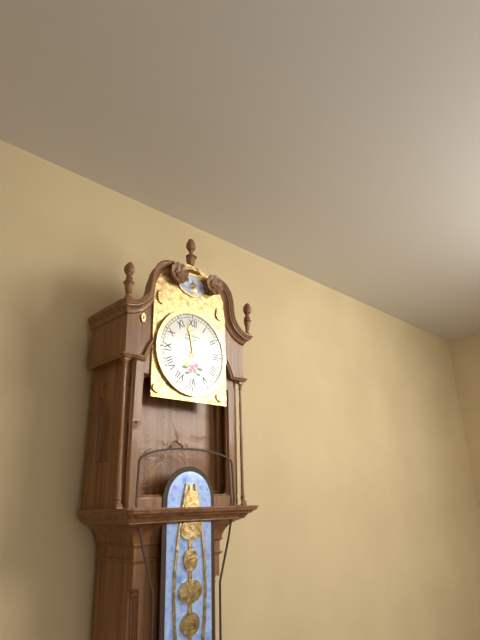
6:58
